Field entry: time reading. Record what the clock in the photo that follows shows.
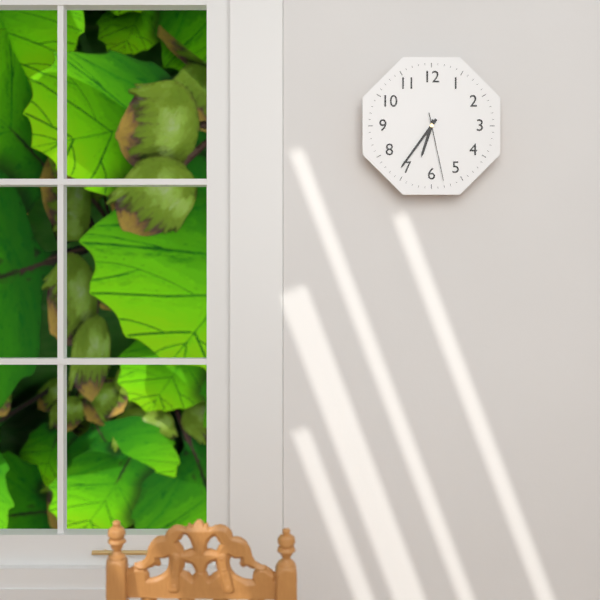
6:36:28
